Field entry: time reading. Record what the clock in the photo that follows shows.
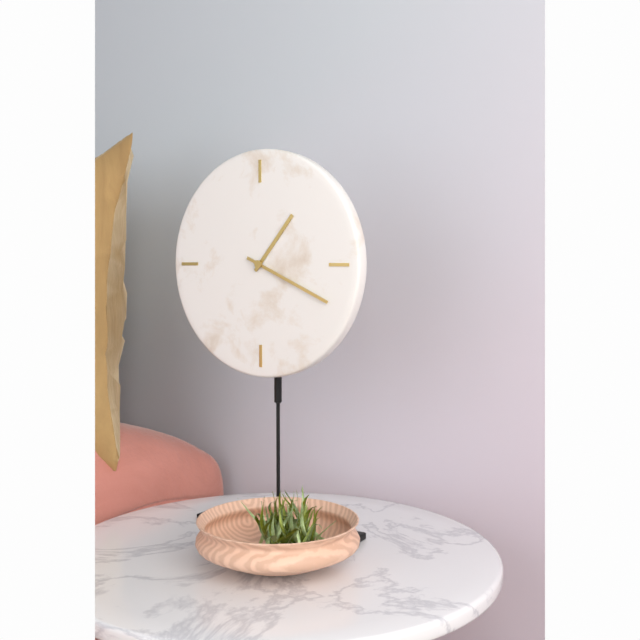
1:19
